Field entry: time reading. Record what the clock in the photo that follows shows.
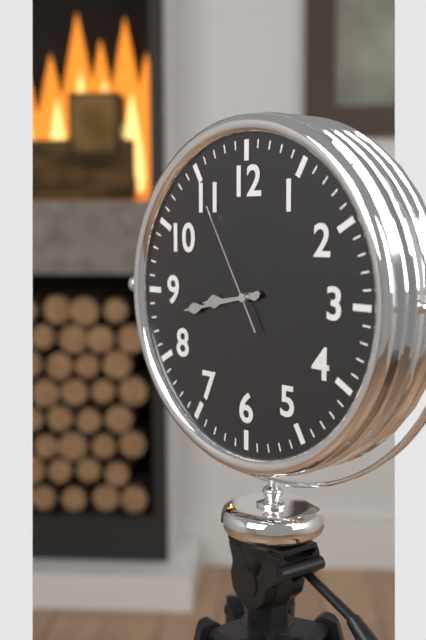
8:43:55
